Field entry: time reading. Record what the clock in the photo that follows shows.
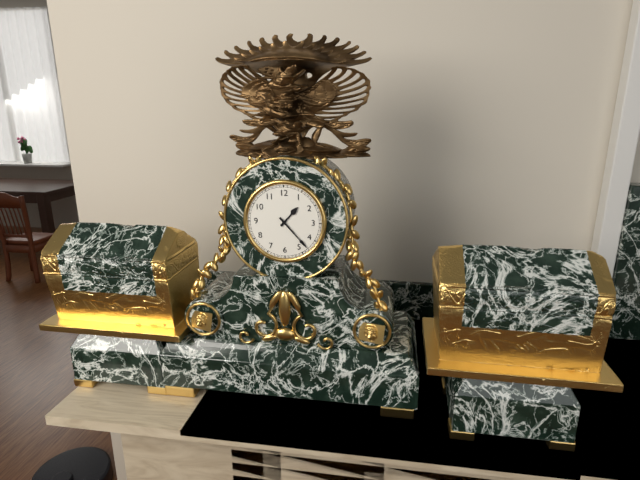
1:23
